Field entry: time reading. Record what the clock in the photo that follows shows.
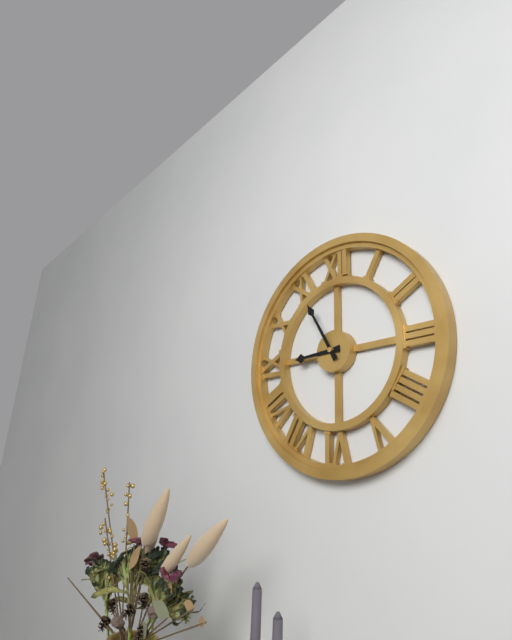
8:55
